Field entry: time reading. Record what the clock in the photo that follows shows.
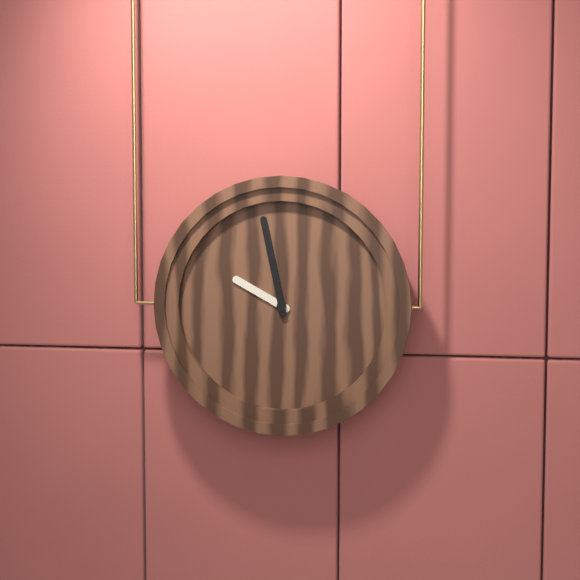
9:58
